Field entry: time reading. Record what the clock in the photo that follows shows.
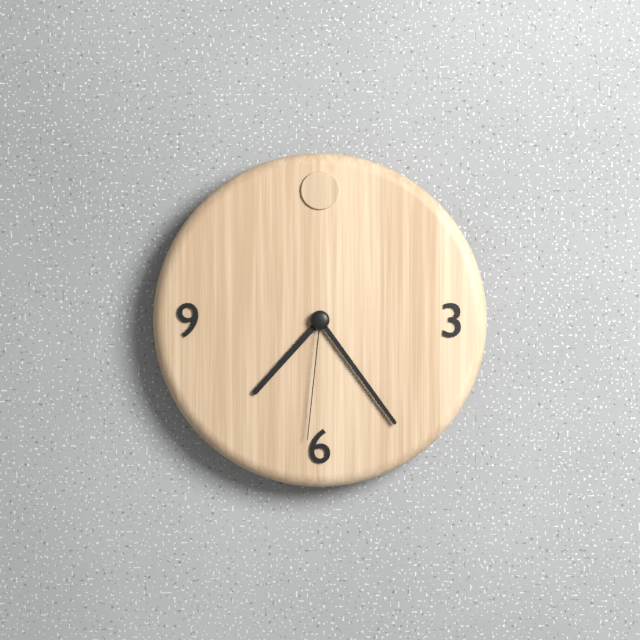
7:24:31
